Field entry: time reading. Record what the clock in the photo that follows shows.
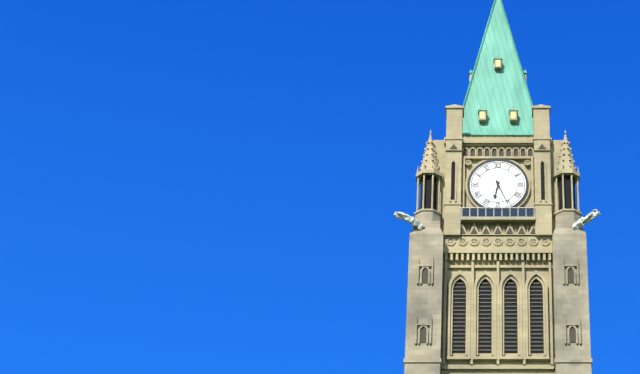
6:26
